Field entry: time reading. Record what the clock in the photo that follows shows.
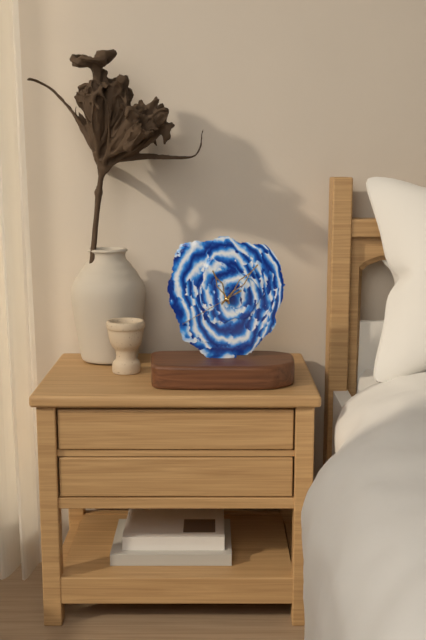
11:07:40
